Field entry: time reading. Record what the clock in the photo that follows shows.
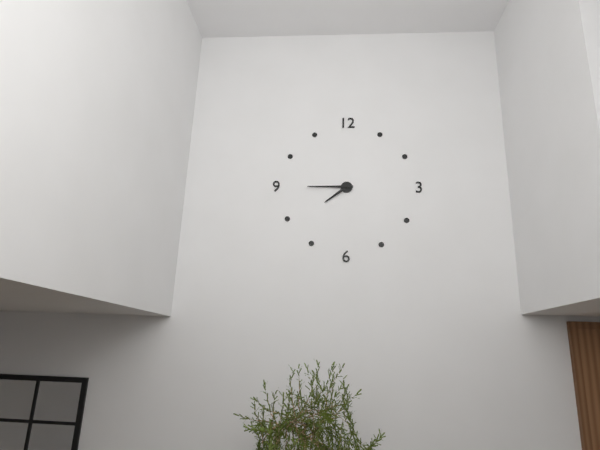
7:45
